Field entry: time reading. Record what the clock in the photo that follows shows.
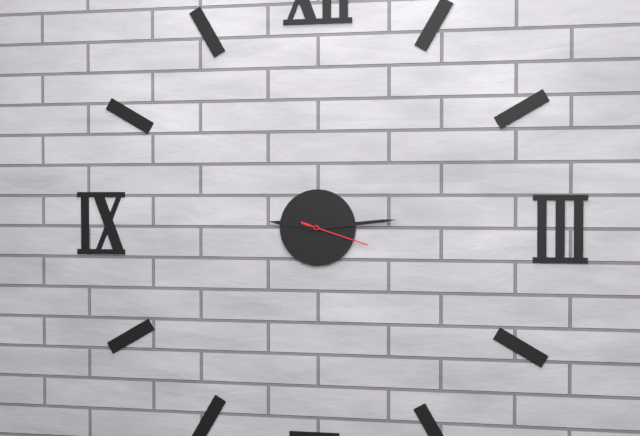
9:14:18
